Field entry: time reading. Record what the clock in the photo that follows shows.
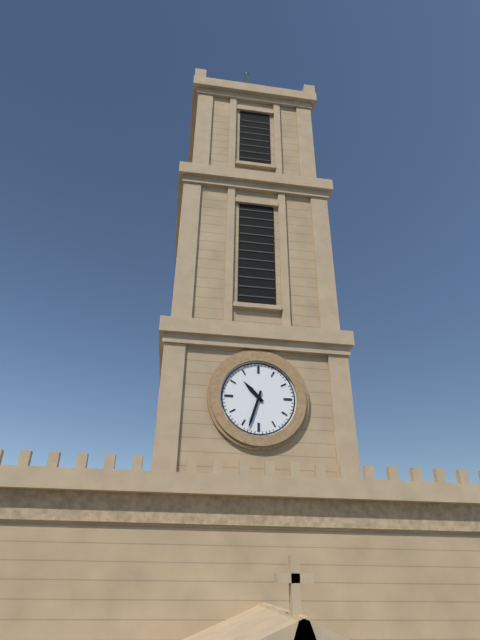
10:33
